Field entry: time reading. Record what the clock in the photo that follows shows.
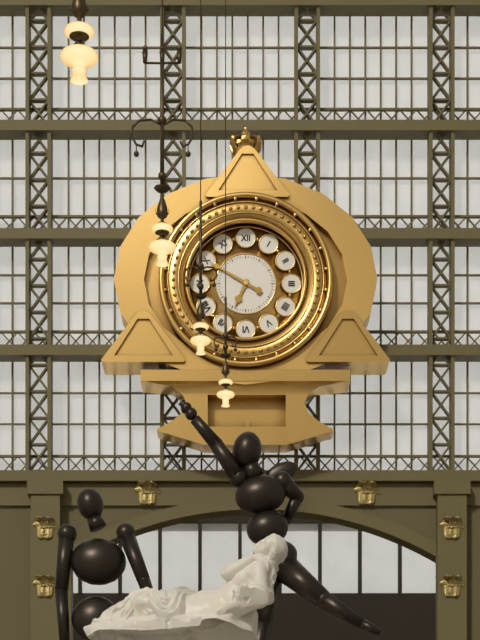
6:50
